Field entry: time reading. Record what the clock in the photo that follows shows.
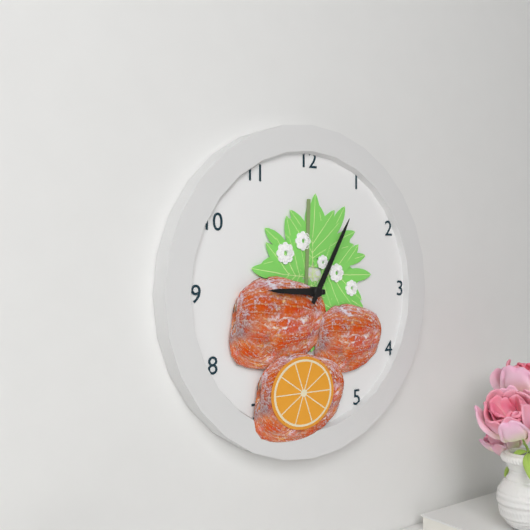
9:05
